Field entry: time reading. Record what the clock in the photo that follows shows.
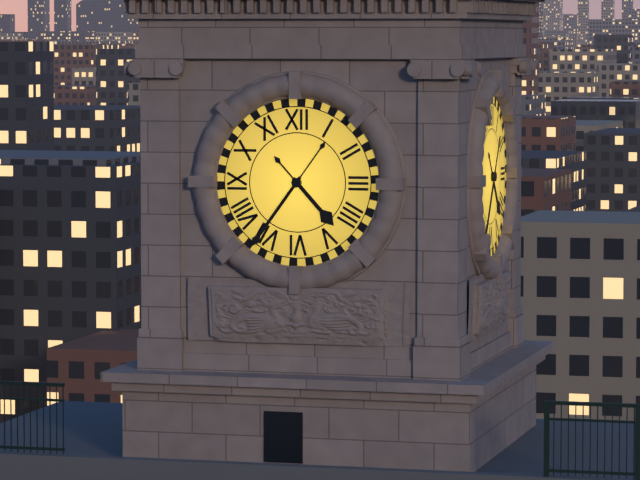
4:36
